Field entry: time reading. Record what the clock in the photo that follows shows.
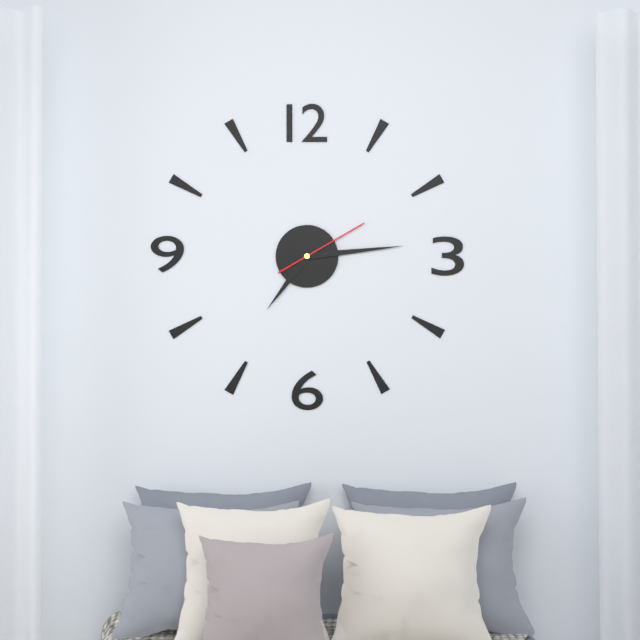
7:14:10
